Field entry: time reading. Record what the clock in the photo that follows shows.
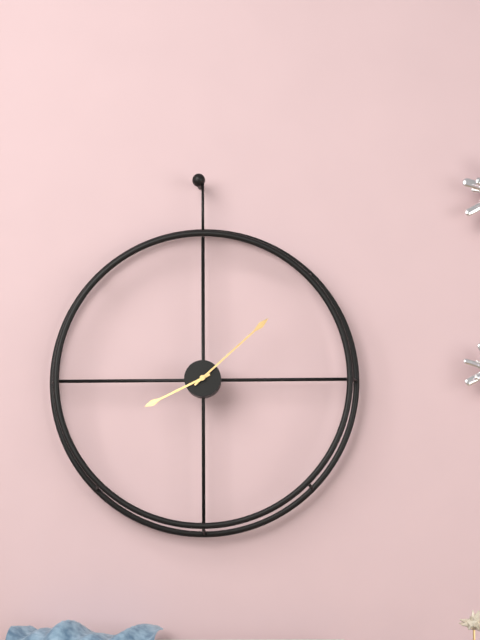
8:08
